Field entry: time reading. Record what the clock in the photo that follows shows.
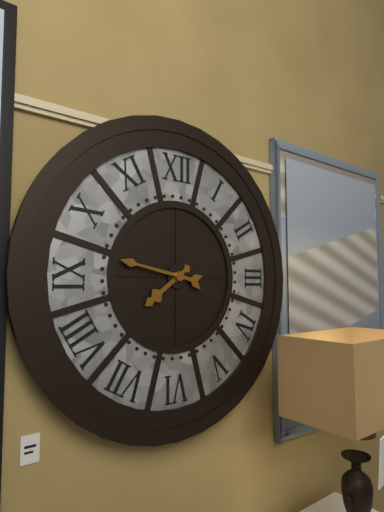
7:47
